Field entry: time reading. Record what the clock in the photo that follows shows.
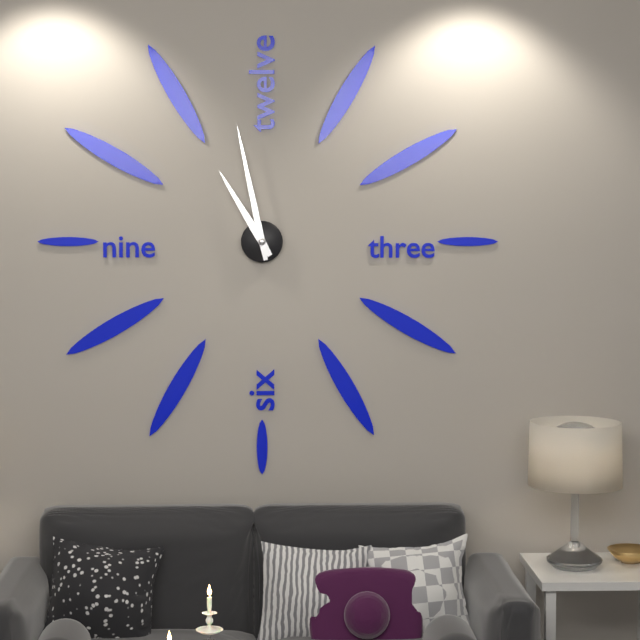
10:58
